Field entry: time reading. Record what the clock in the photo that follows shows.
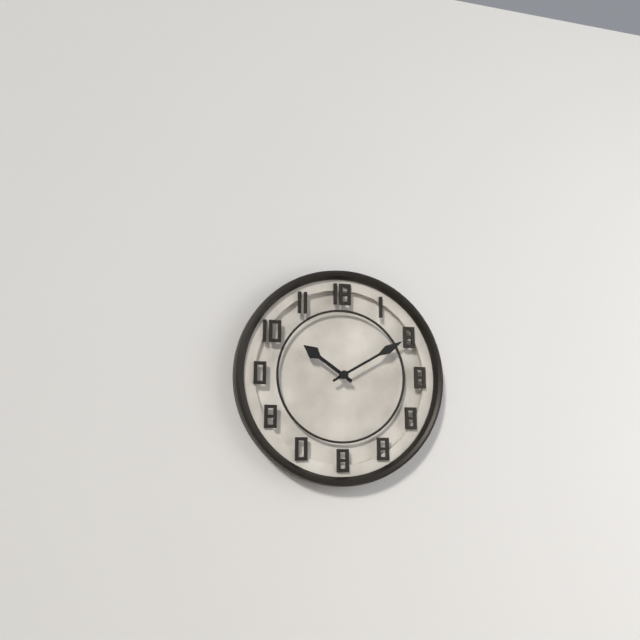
10:10
